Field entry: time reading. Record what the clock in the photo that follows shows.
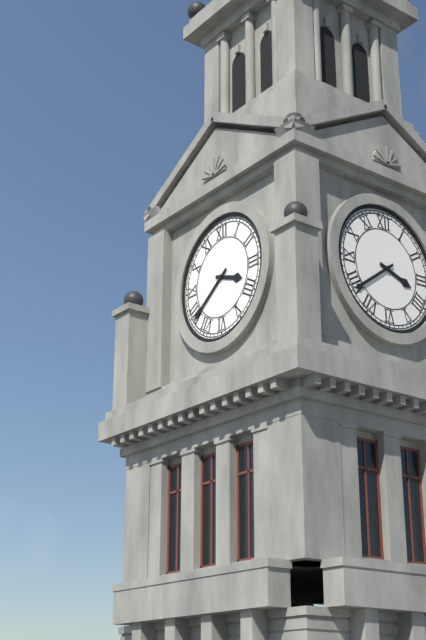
3:39
